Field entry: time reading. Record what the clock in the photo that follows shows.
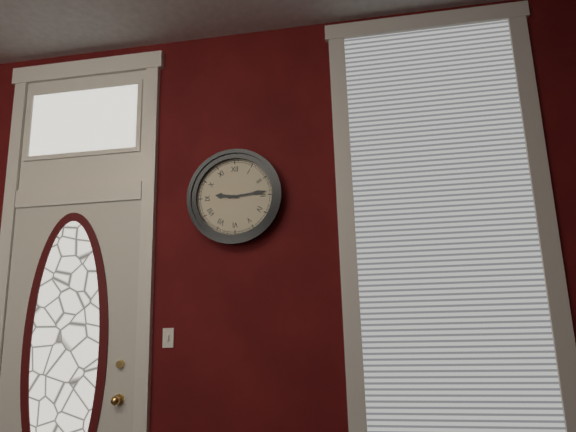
9:14
